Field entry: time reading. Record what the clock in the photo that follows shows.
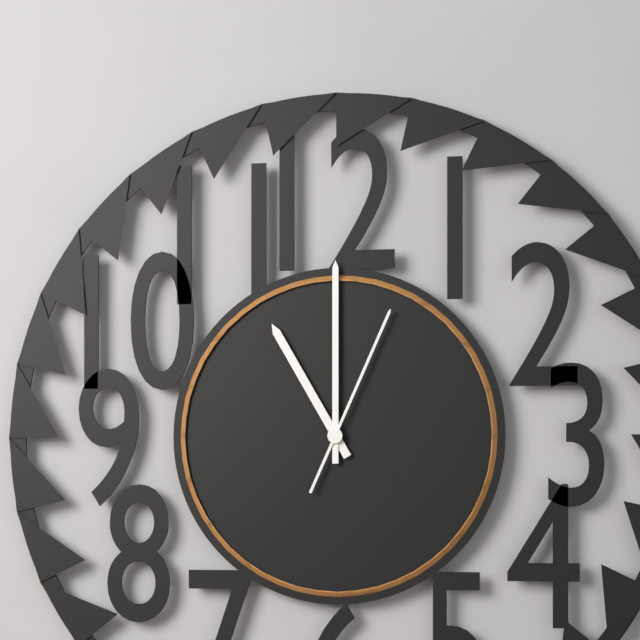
11:00:04
